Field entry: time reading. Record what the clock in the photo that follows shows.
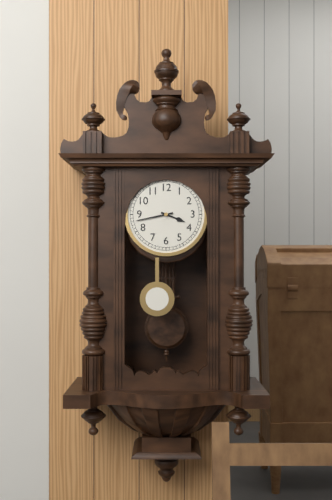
3:43
